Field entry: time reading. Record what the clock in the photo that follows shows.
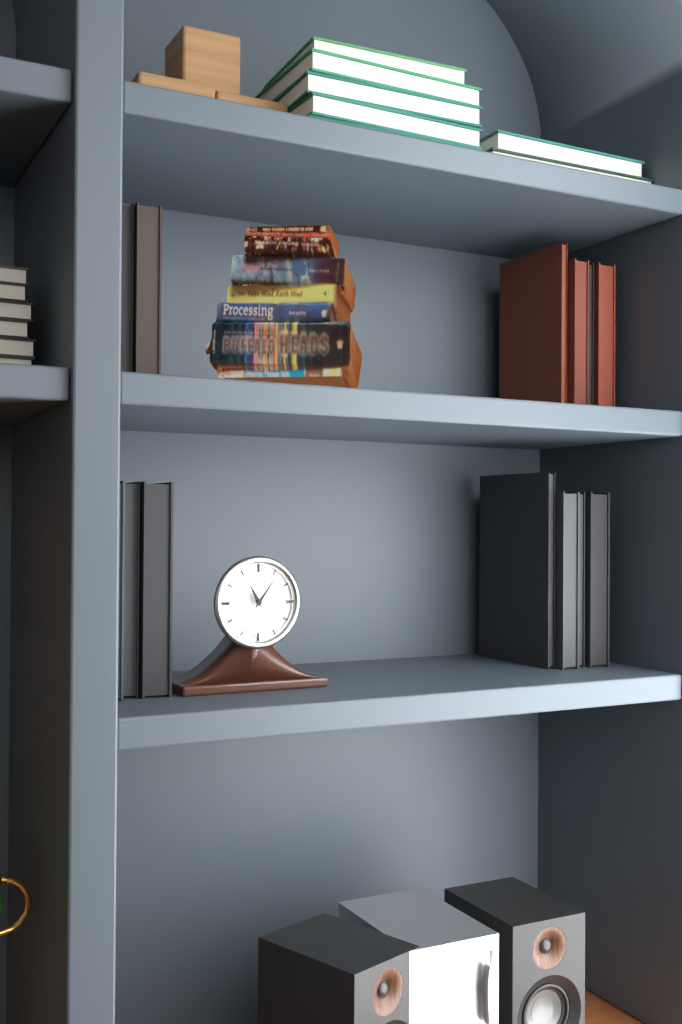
11:06
